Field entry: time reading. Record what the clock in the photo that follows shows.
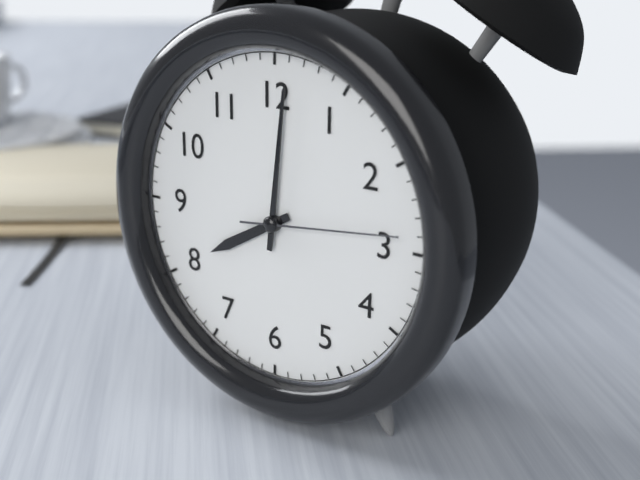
8:01:14
